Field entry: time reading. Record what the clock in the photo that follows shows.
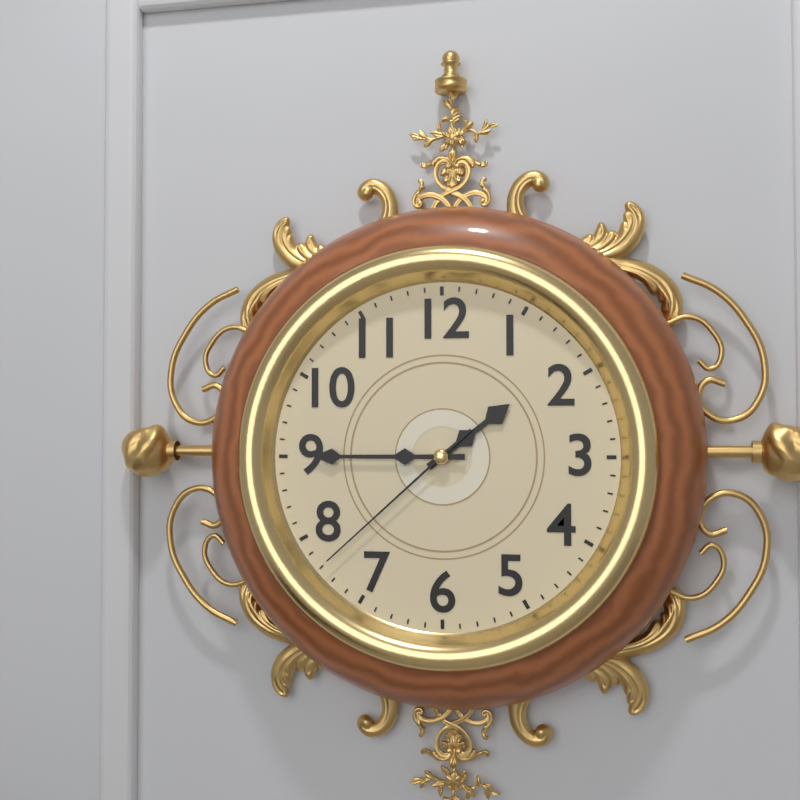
1:45:38
